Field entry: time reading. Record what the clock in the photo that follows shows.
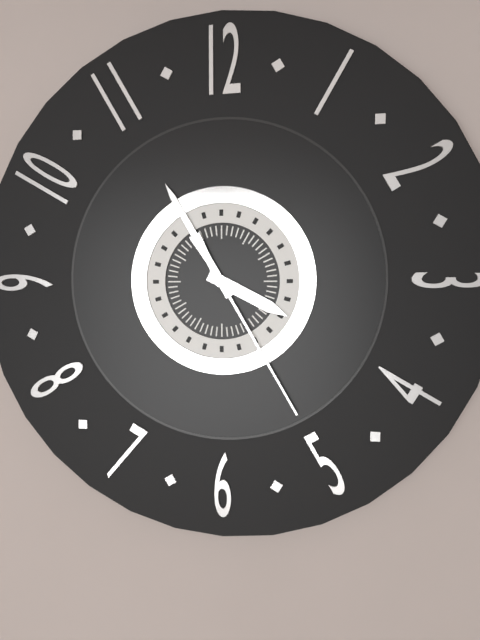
3:55:25
